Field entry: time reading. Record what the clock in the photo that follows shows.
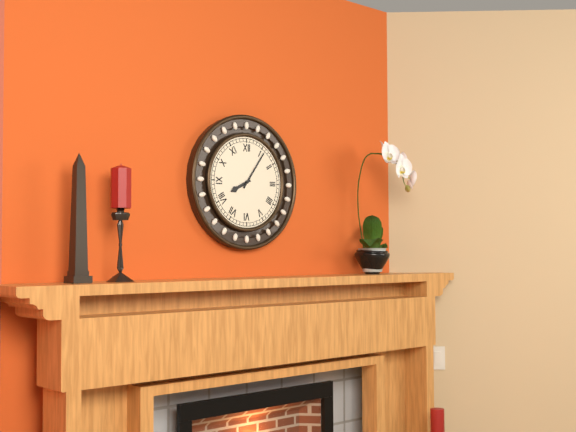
8:06
